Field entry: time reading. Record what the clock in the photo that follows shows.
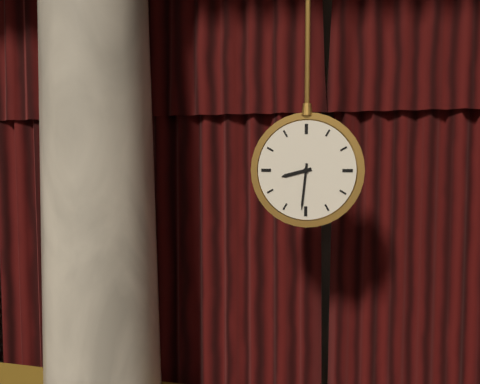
8:31
